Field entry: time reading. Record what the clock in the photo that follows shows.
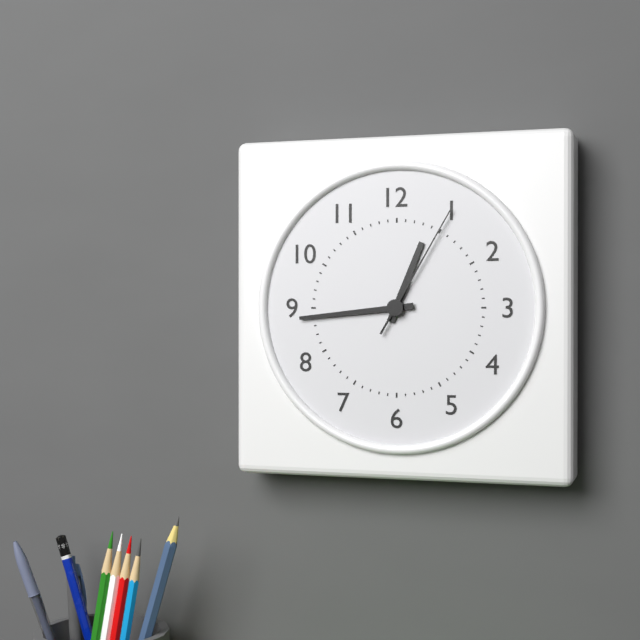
12:44:05
